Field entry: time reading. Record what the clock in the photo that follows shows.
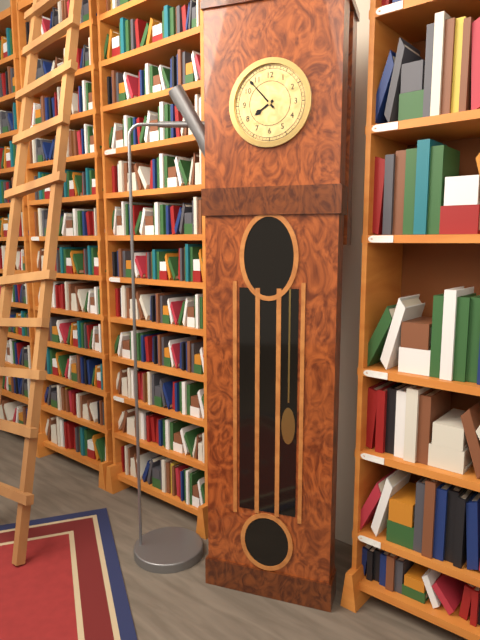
7:53
